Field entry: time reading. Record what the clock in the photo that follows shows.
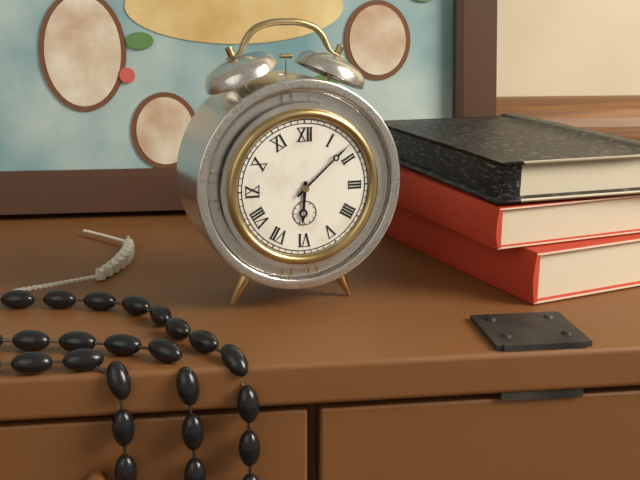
6:08
